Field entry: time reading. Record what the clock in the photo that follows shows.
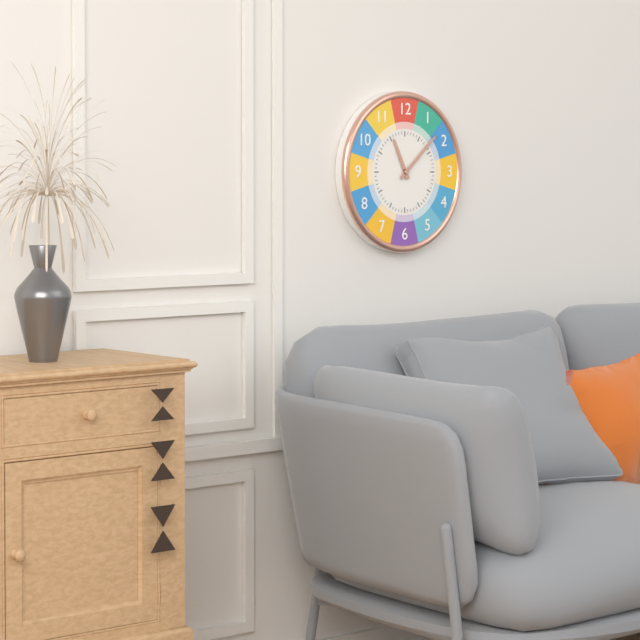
11:08
